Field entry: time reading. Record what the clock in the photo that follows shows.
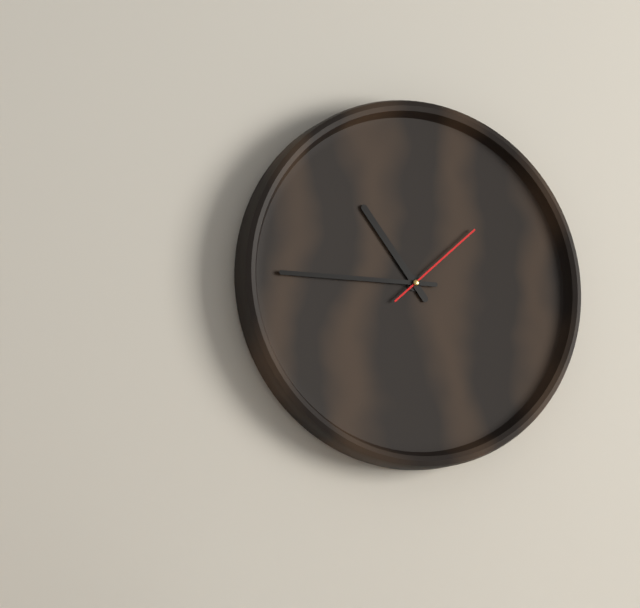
10:45:08
